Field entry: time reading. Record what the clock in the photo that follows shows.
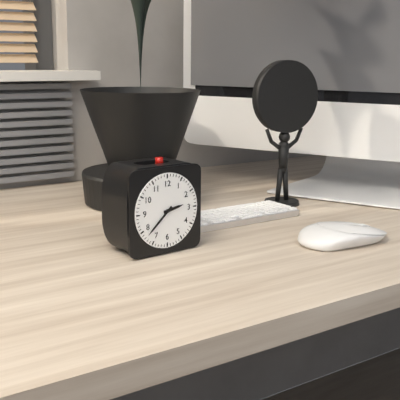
2:38
